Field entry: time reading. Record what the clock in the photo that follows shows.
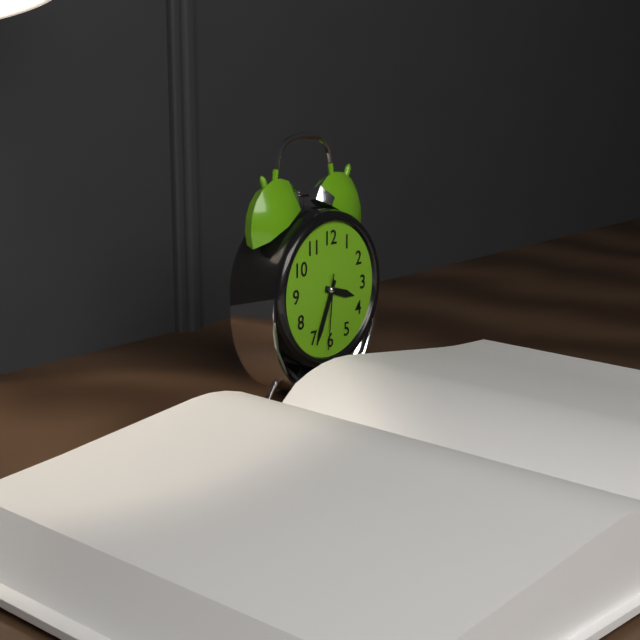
3:34:31
